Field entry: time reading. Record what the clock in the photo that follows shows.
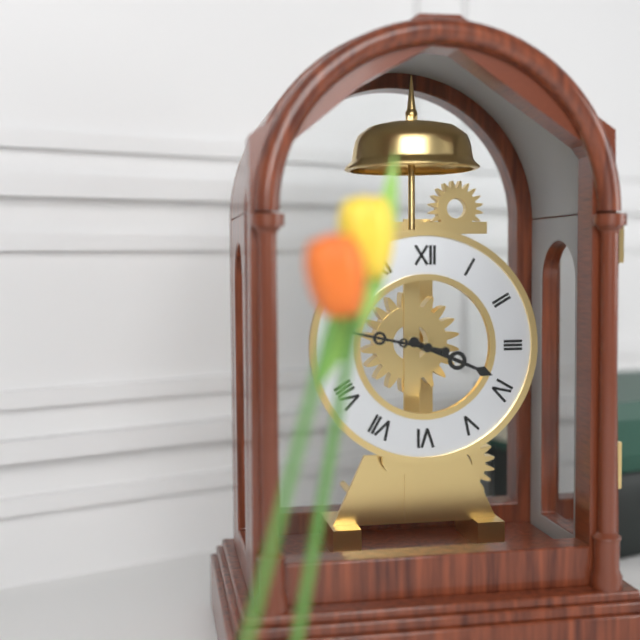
3:47
